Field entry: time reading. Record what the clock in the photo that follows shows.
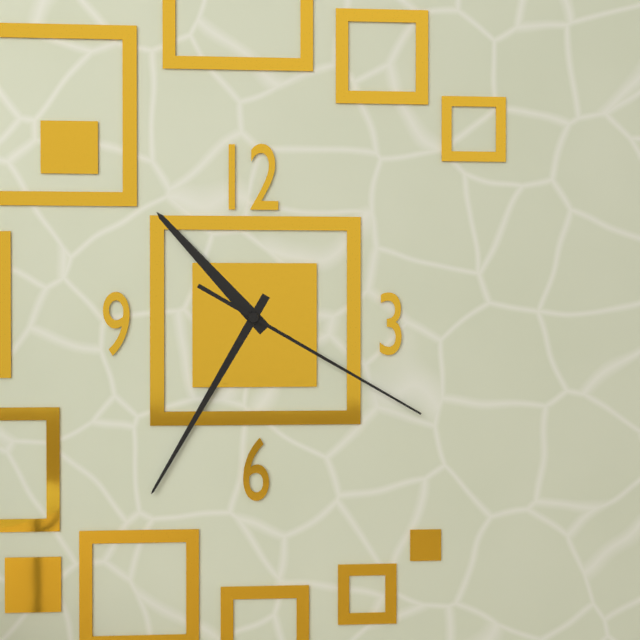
10:35:20
